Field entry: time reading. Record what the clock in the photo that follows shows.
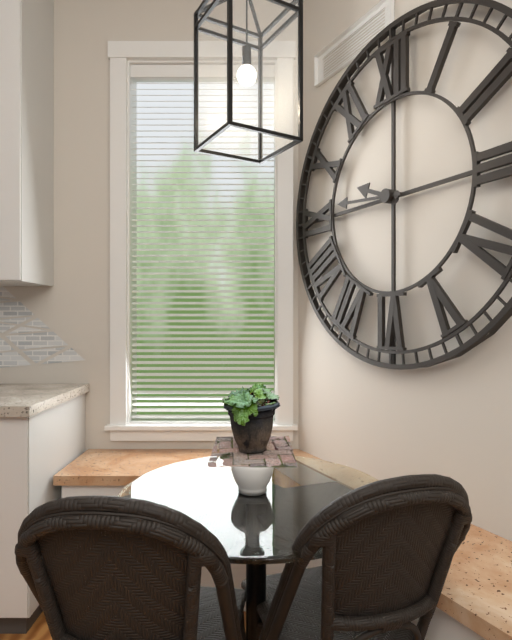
9:46
